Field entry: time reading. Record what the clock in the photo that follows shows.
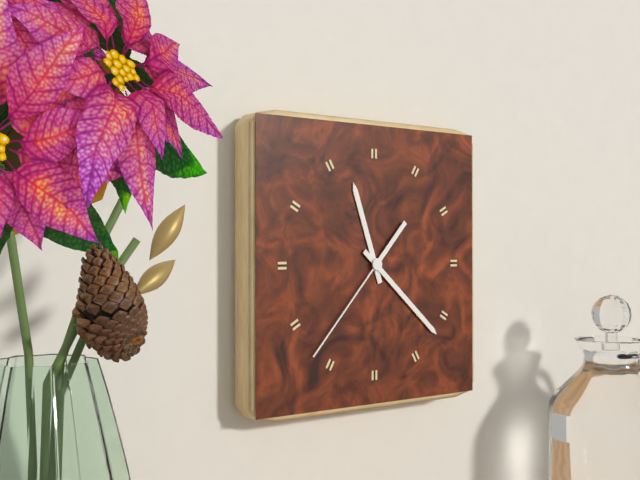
11:22:37
